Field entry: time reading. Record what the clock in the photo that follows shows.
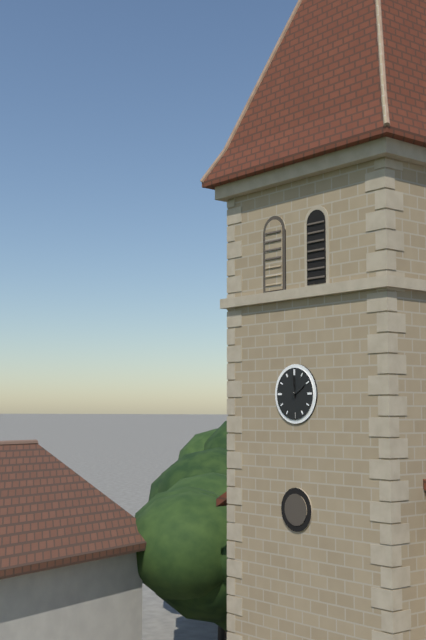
1:59
